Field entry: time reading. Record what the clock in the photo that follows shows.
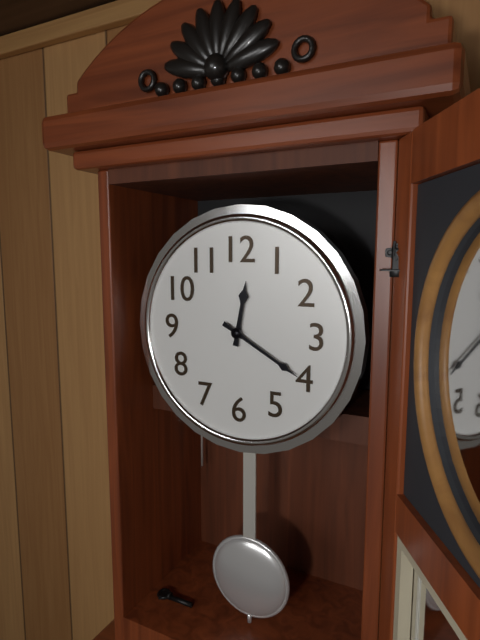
12:20
